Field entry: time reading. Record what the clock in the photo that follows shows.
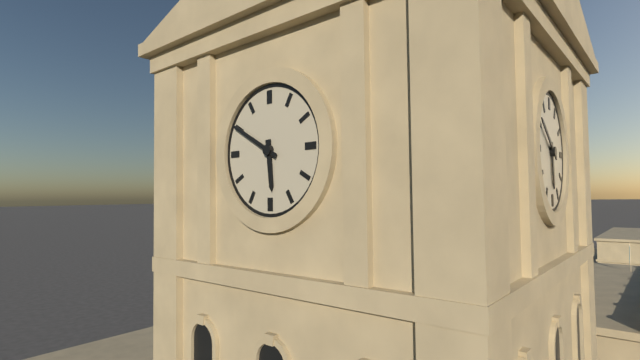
5:50
